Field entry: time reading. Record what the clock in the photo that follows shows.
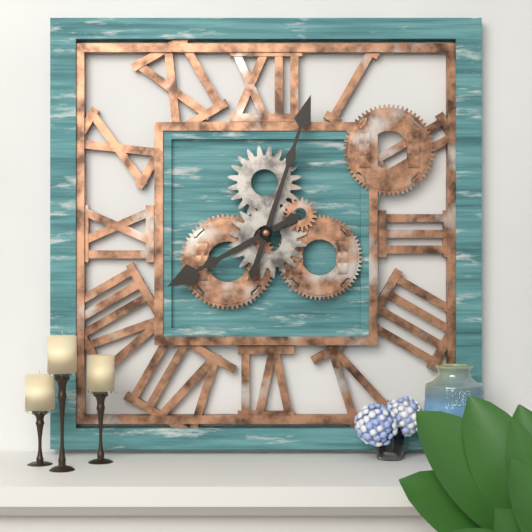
8:03
